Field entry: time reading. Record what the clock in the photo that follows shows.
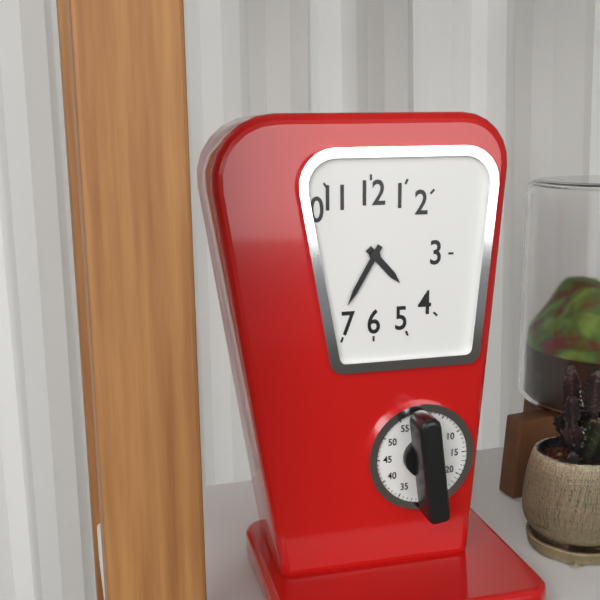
4:35
